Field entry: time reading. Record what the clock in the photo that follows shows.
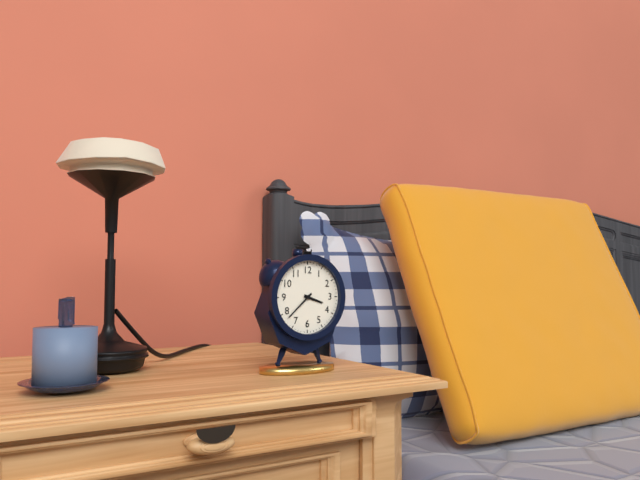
3:38
